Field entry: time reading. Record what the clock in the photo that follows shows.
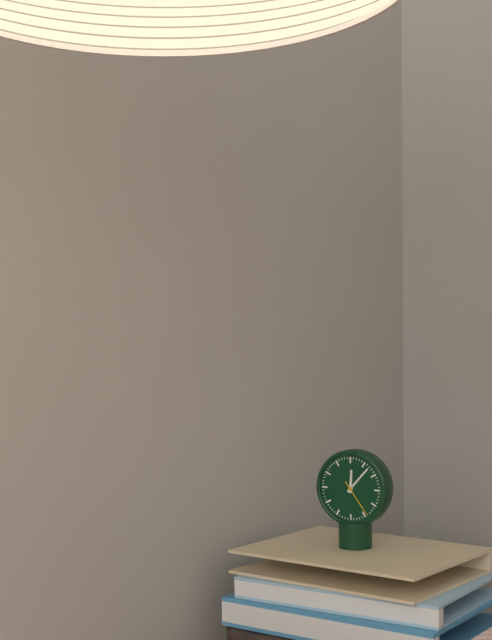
12:07
